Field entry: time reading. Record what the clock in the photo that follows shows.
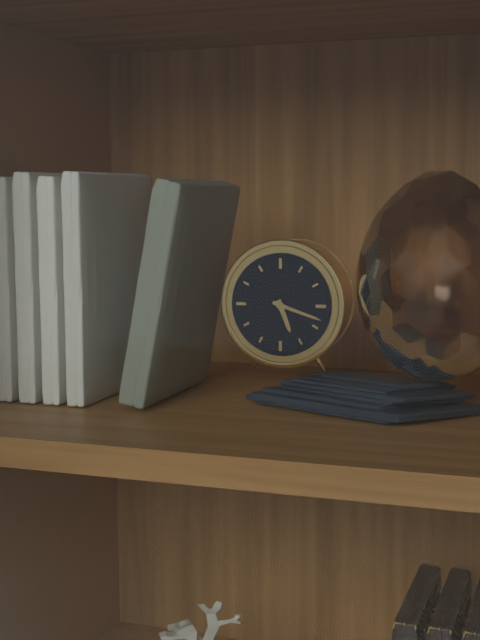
5:18
